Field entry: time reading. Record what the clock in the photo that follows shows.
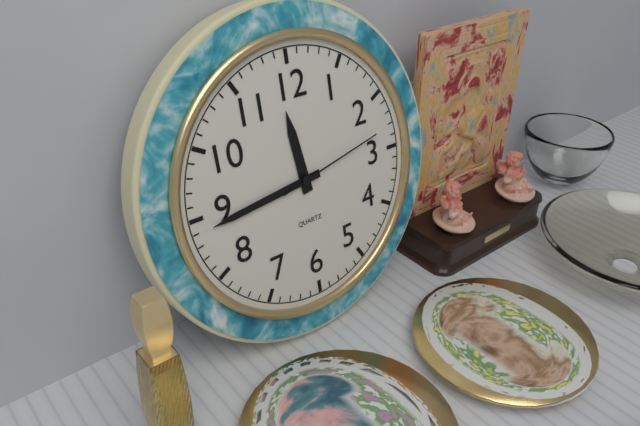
11:44:13
